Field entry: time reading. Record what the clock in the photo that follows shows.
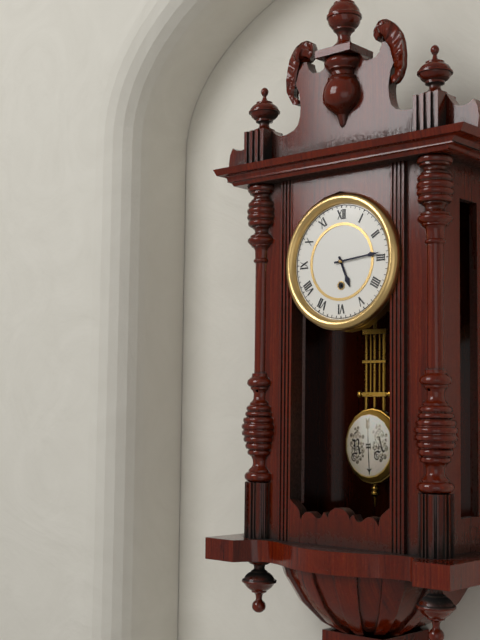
5:14
